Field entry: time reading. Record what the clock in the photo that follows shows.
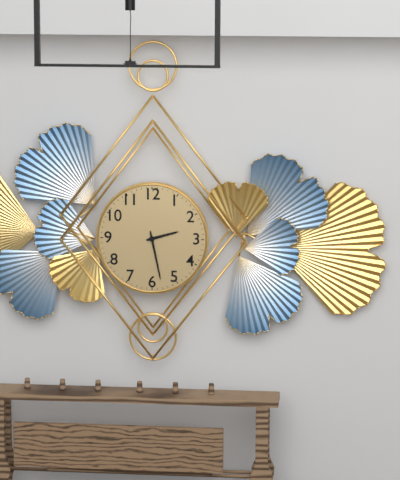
2:28
